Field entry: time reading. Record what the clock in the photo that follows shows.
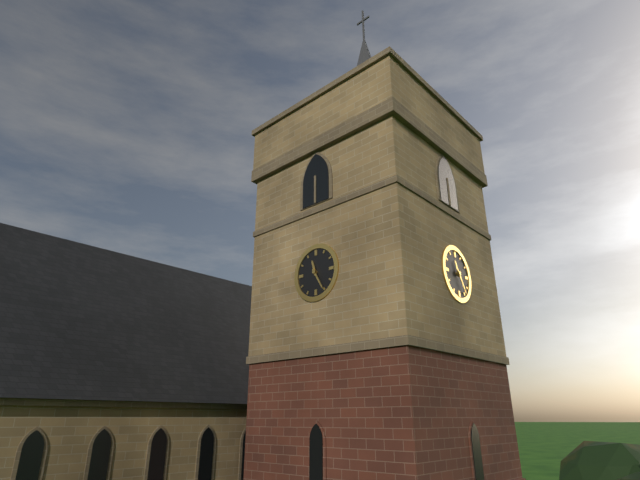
11:25
